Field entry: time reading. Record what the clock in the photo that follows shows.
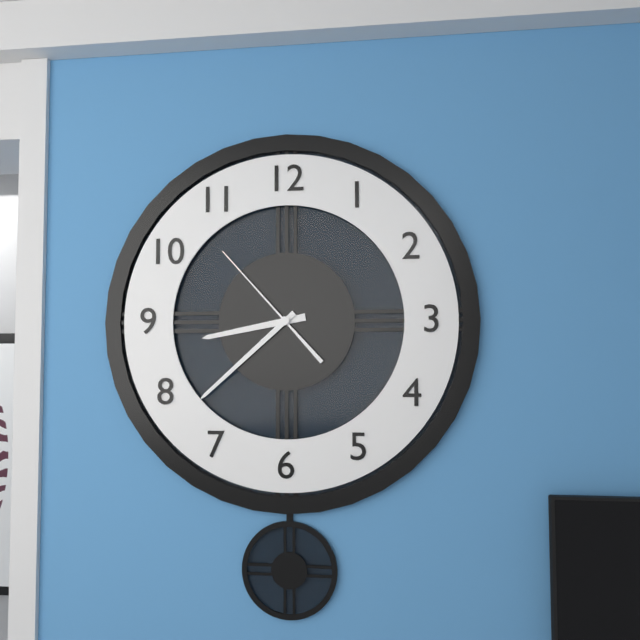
8:38:53
